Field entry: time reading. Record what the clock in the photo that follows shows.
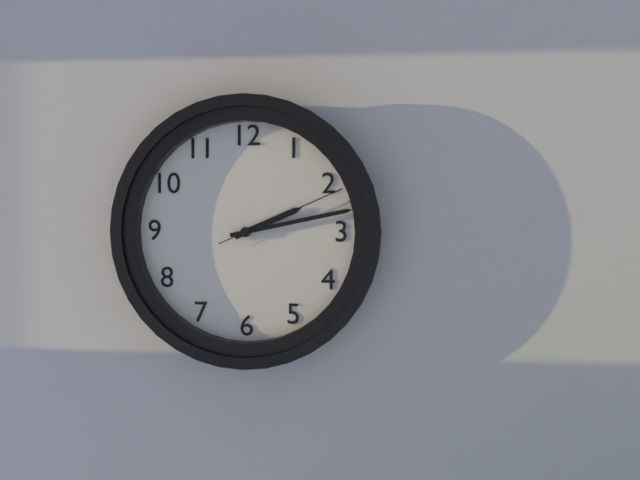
2:13:11
